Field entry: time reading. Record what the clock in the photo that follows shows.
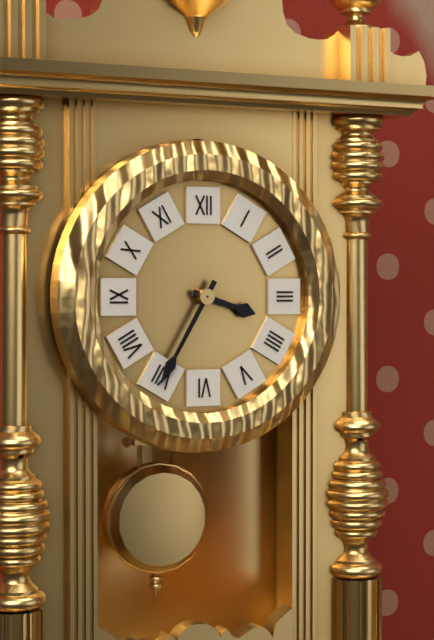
3:35
